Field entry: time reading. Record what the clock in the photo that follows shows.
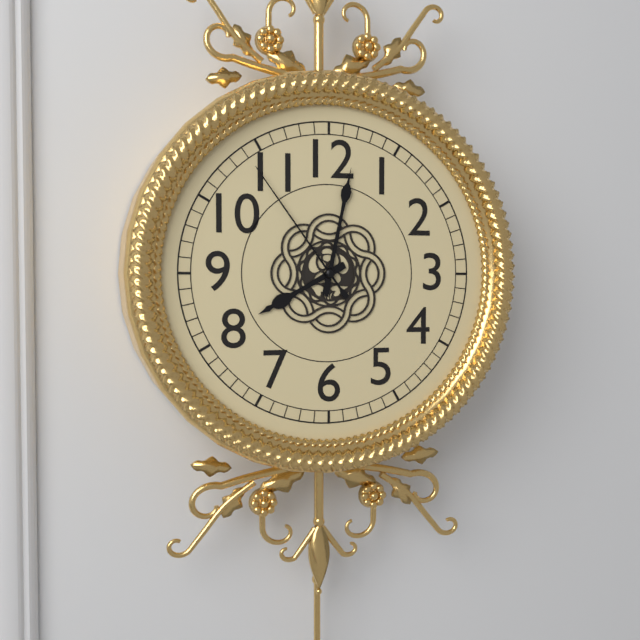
8:02:54
